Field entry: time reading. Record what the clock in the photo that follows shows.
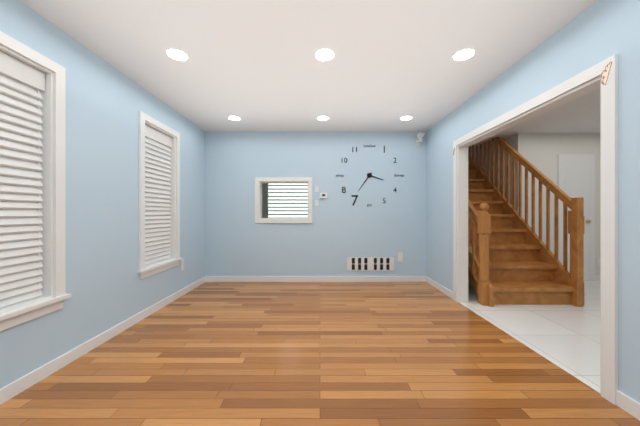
3:36
